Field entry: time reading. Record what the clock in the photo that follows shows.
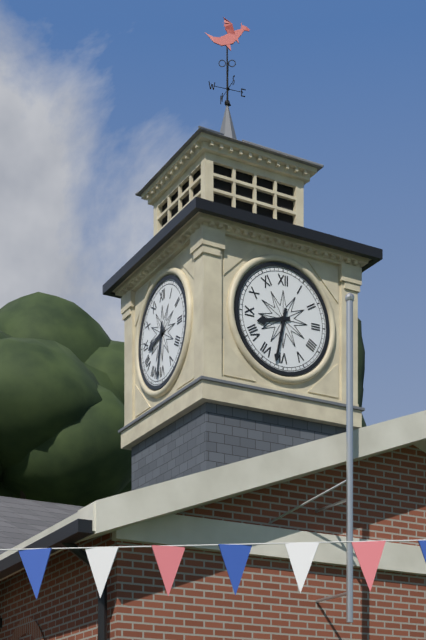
8:32
